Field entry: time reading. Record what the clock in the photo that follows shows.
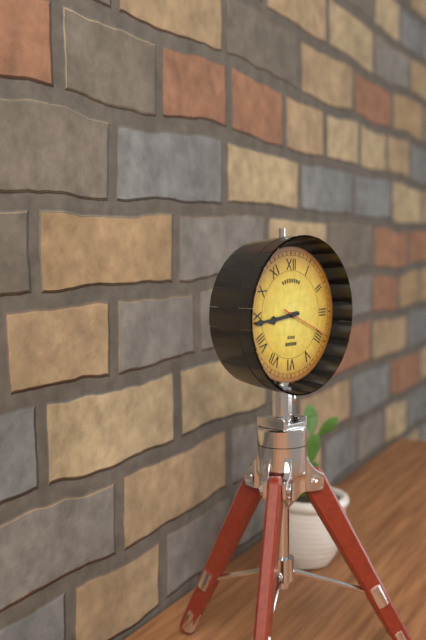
8:44:19
